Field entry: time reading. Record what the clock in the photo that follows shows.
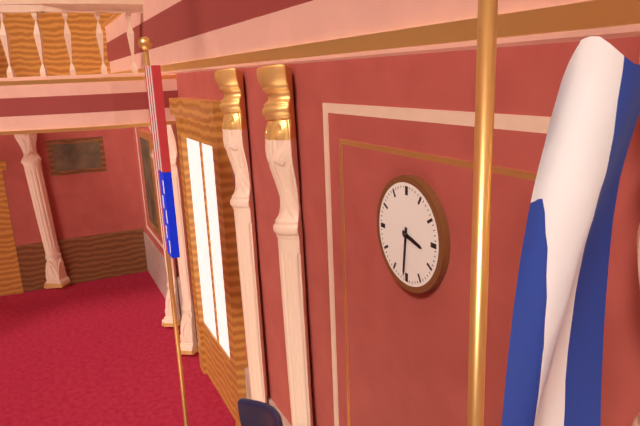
3:31
